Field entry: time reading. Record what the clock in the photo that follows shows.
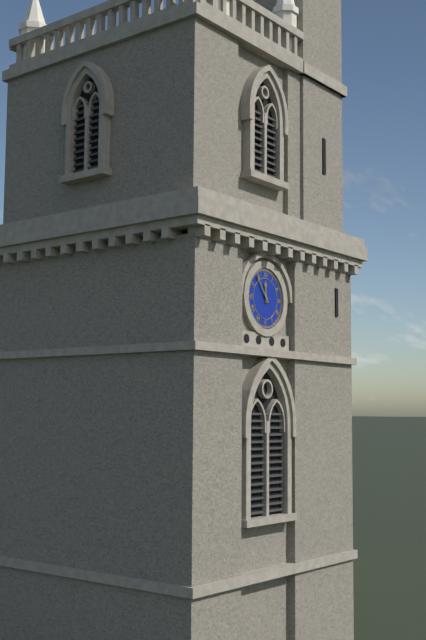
11:54
